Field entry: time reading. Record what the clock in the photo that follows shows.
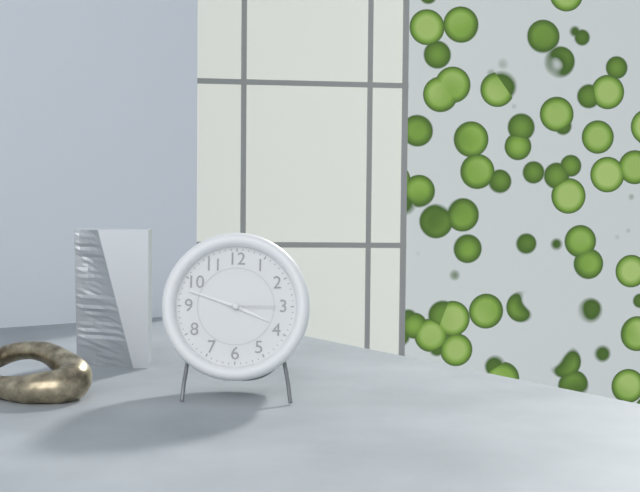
3:48:15
